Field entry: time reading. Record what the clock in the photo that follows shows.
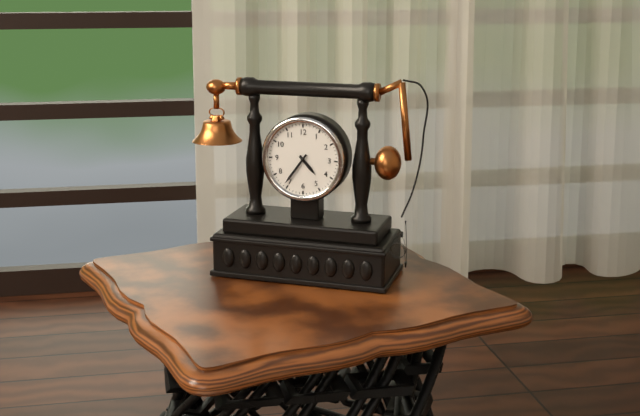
4:36
